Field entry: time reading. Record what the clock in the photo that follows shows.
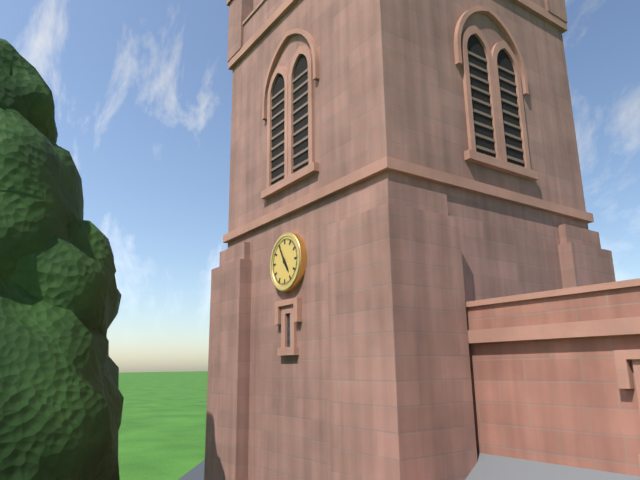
4:55
